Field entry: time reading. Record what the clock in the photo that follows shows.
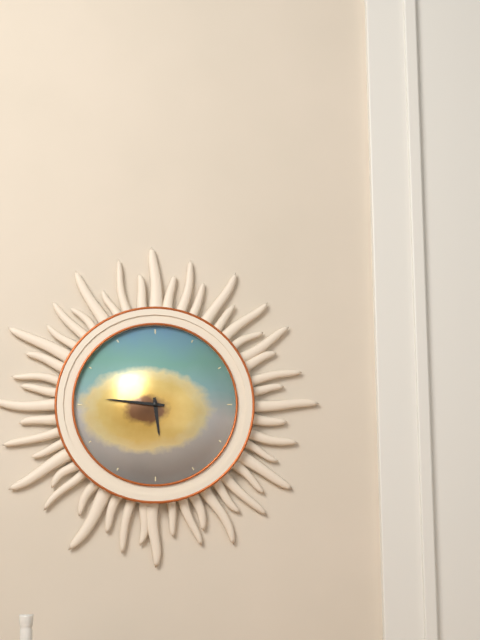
5:46
